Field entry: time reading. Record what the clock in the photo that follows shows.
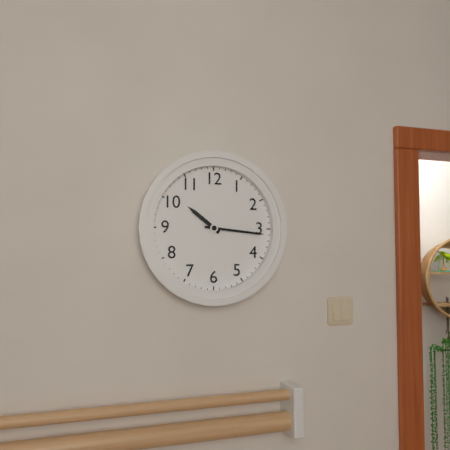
10:16
